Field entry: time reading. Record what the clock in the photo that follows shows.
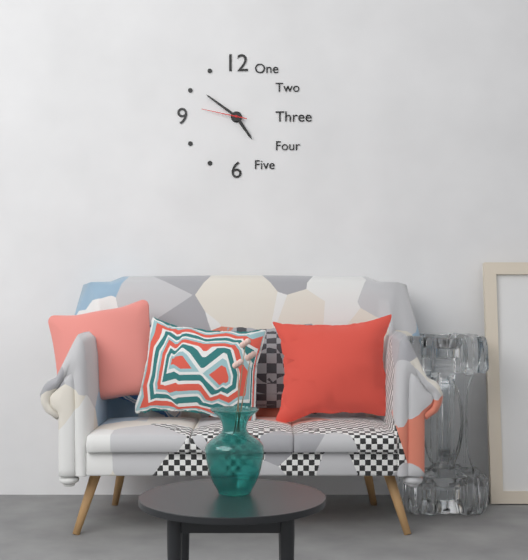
4:51
